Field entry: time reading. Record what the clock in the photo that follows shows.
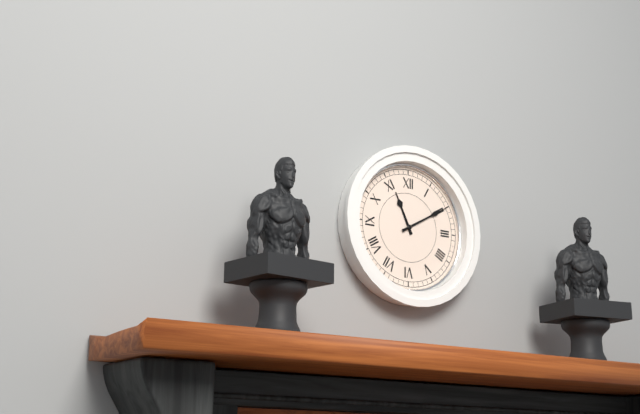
11:10
